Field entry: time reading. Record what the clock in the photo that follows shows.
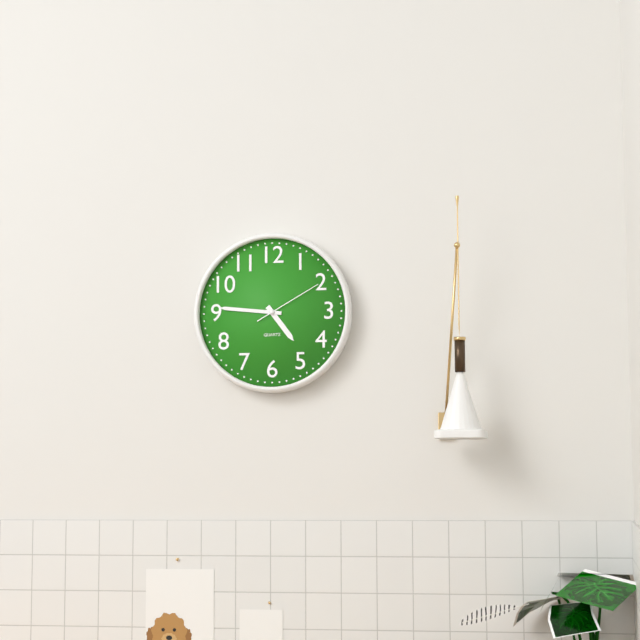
4:46:10
